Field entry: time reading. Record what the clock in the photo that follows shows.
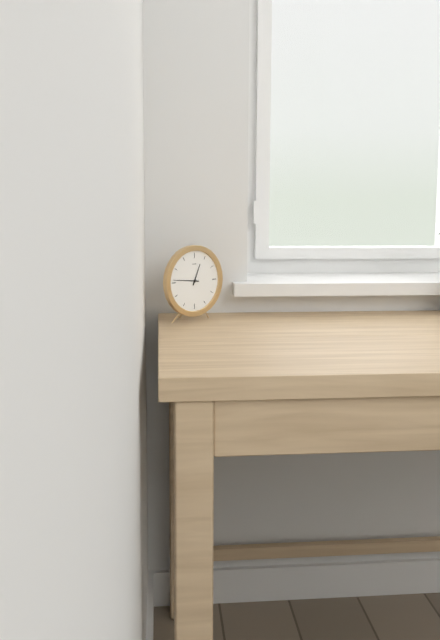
12:46
